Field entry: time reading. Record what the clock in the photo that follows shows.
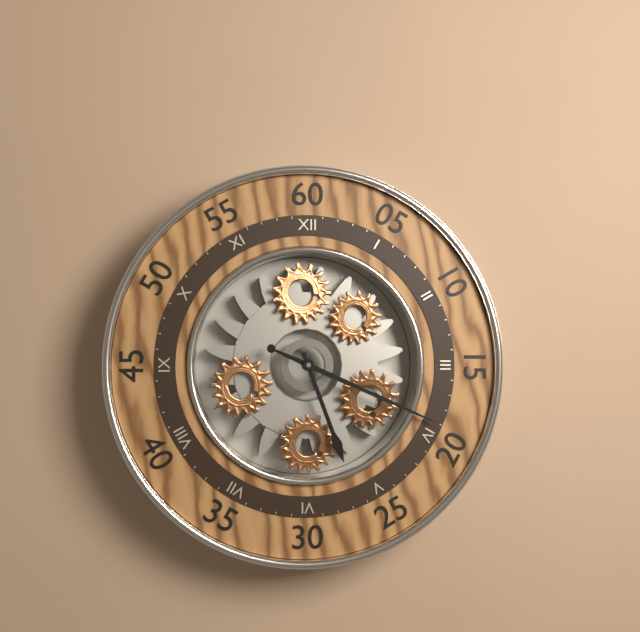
5:19
